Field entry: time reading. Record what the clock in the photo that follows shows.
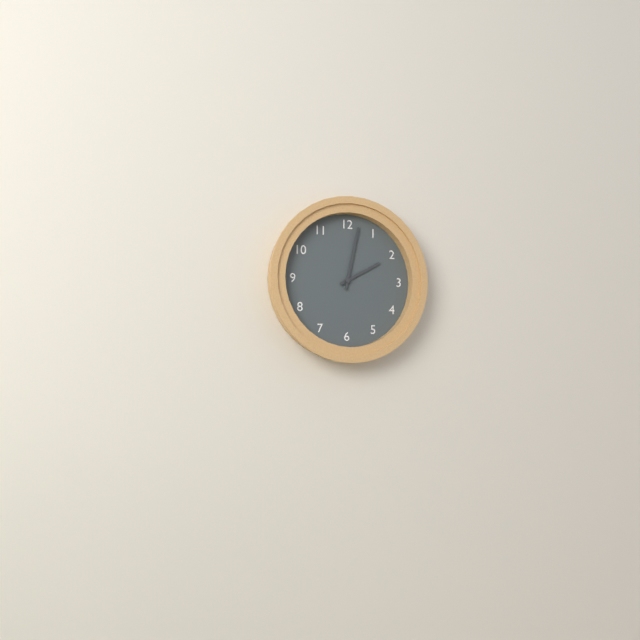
2:02
